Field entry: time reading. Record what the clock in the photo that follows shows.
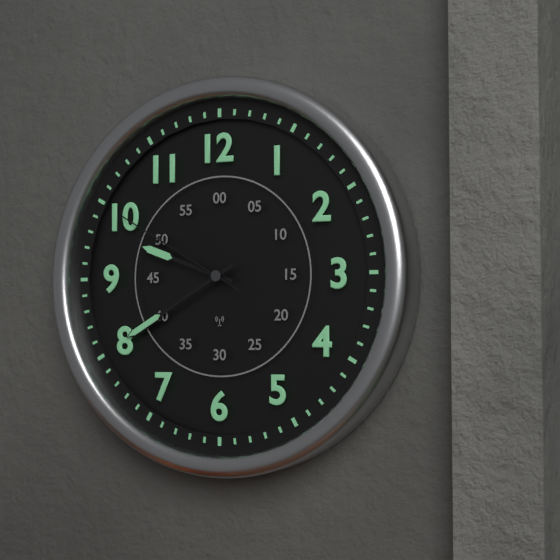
9:40:50
